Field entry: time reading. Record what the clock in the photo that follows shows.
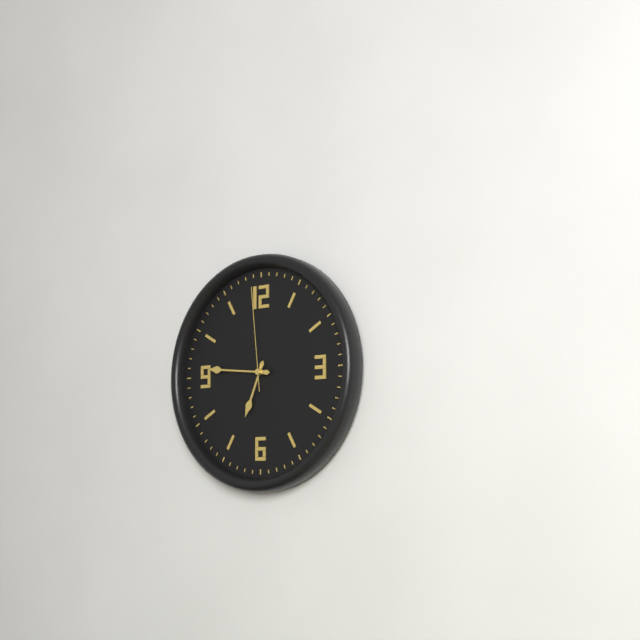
6:46:59
